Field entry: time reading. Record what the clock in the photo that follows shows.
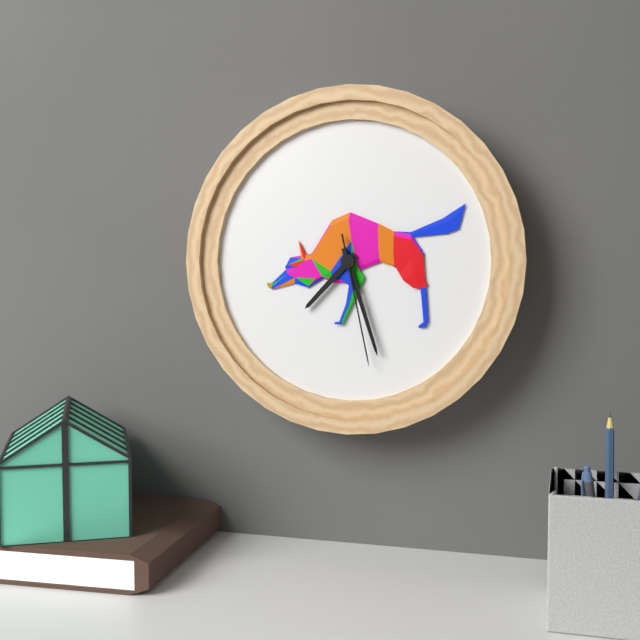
7:27:28
